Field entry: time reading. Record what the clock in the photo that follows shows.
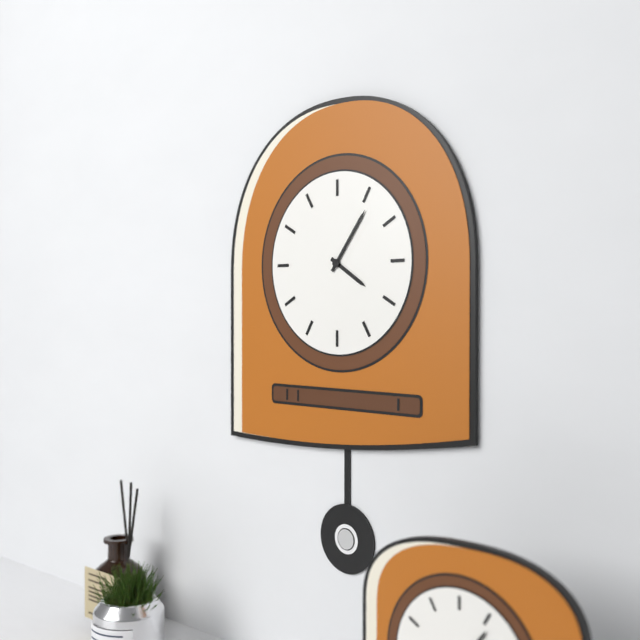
4:06
